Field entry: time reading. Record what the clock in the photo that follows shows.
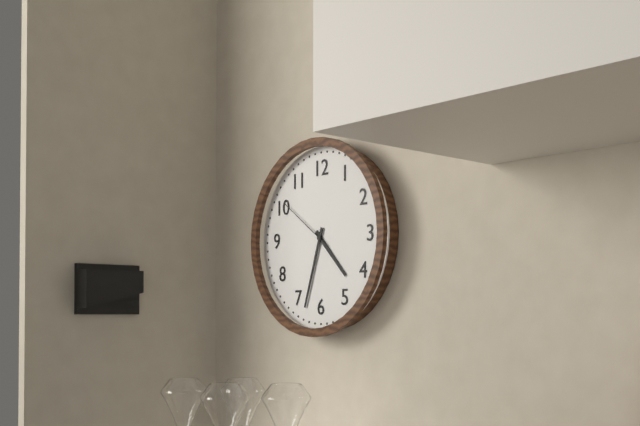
4:33:51
